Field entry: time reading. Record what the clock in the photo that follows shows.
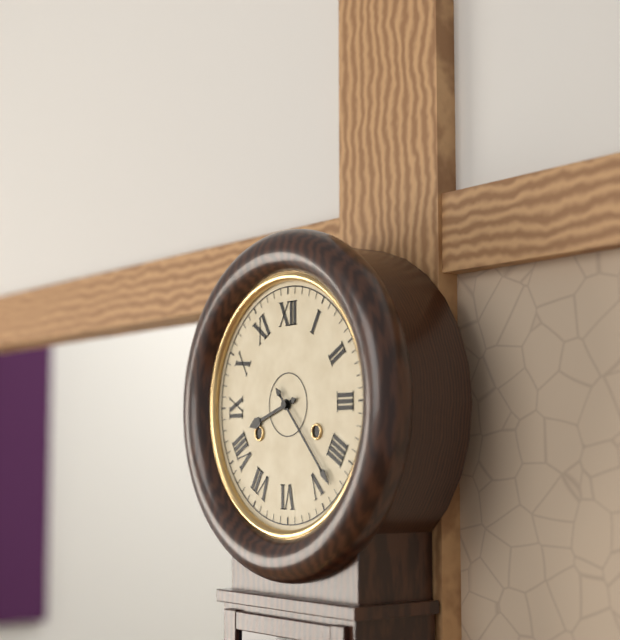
8:23
